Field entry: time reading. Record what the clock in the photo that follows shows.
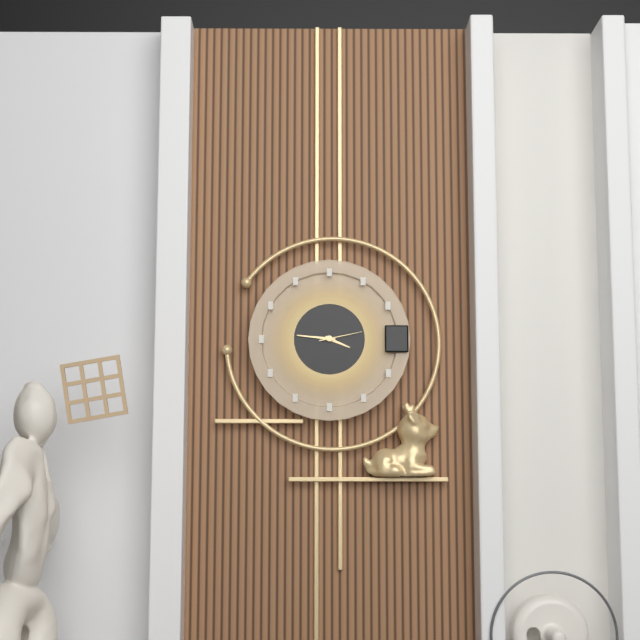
3:46
